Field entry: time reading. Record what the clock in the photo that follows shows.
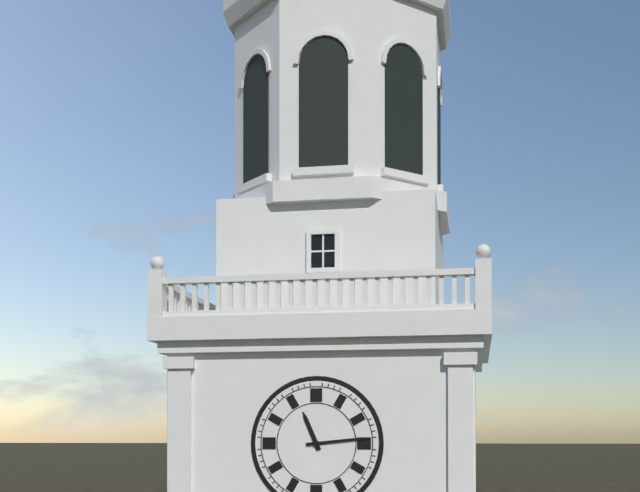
11:14
